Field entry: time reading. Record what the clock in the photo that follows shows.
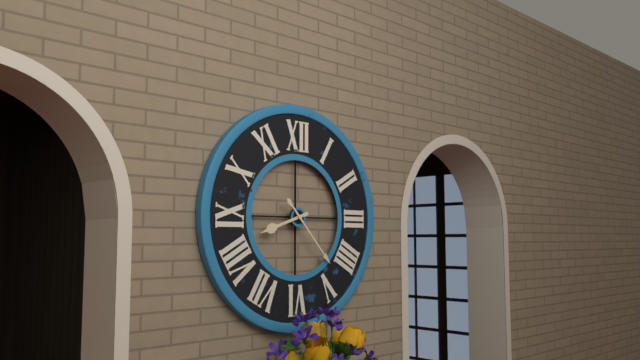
8:23
